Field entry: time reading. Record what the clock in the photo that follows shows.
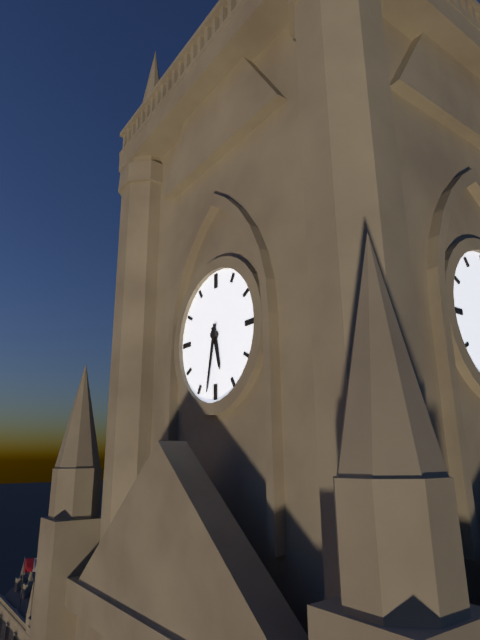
5:32
